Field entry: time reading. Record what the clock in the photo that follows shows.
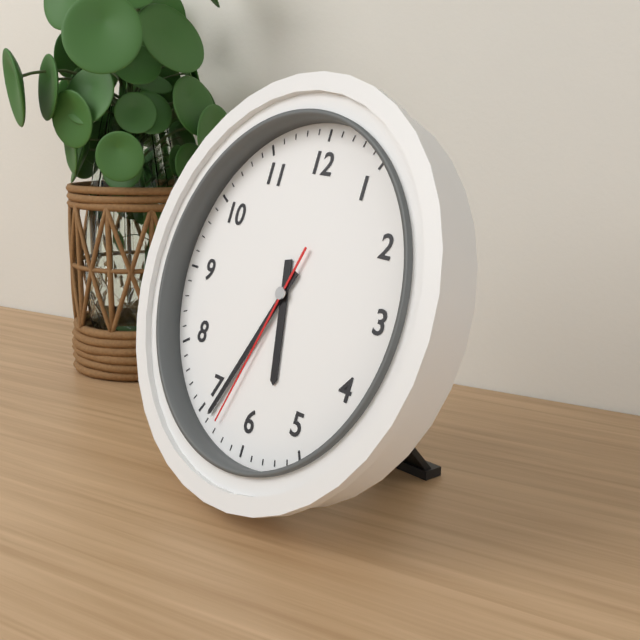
5:34:33
